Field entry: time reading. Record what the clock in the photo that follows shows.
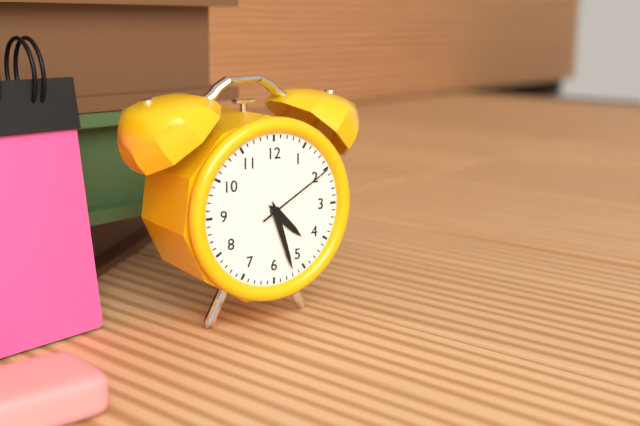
4:27:10
